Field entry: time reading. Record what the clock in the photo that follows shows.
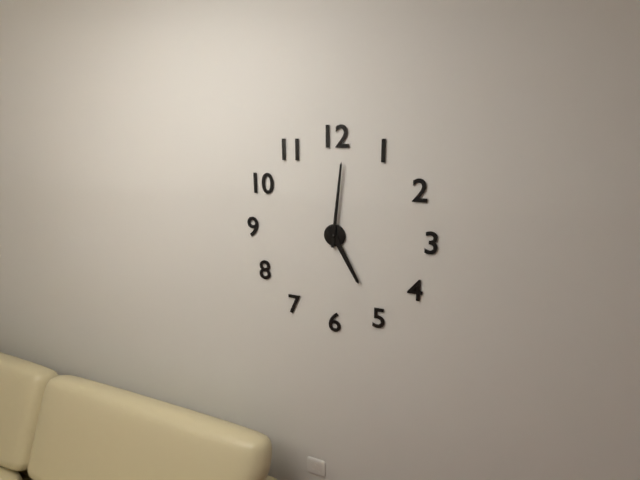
5:01
